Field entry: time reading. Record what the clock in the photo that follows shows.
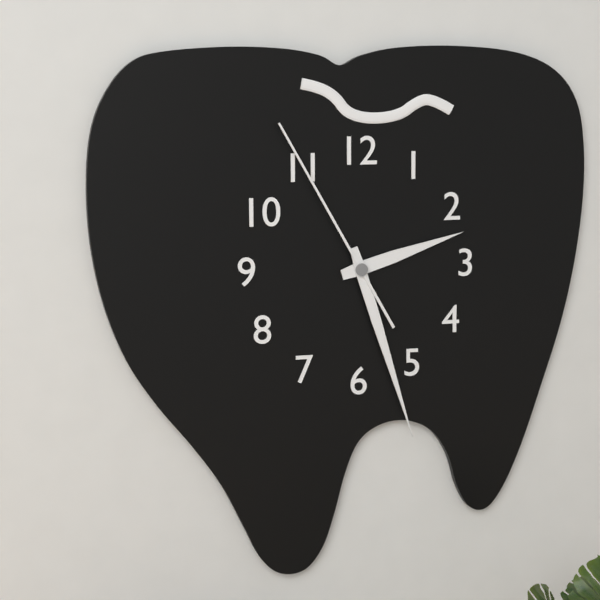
2:27:55
